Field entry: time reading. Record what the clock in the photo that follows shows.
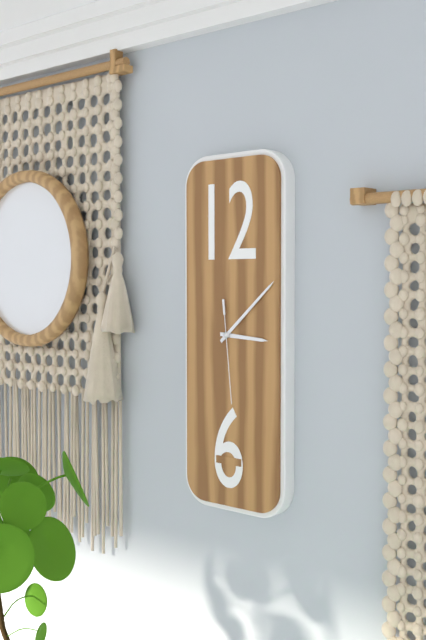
3:08:29
